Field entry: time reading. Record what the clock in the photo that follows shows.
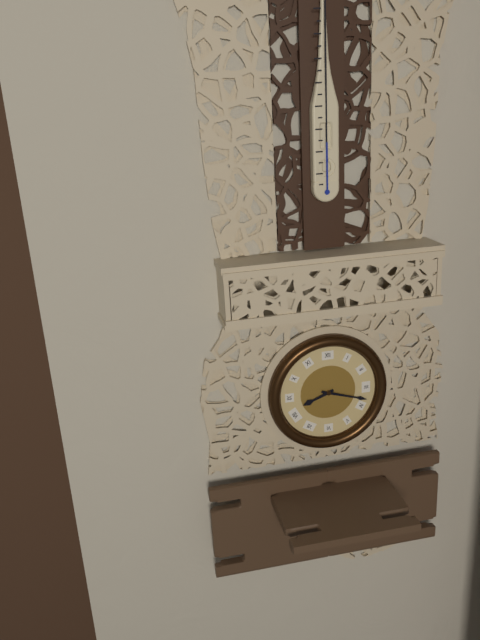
8:18
